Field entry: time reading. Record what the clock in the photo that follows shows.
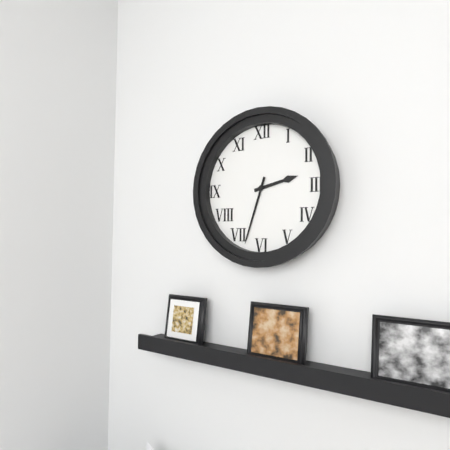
2:33
